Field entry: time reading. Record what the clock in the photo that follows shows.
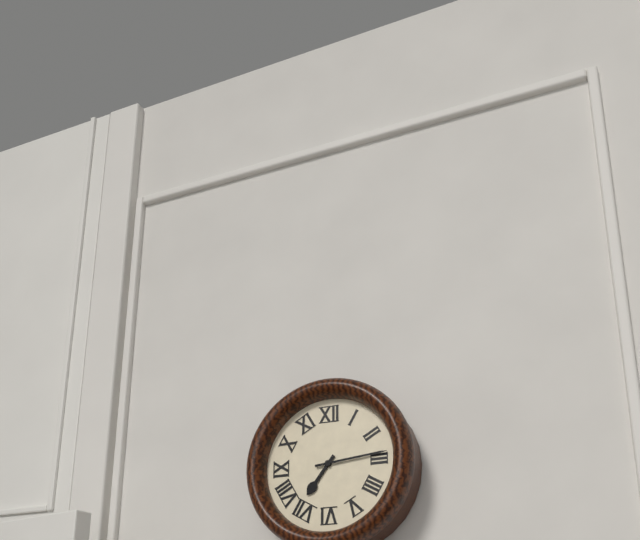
7:14
